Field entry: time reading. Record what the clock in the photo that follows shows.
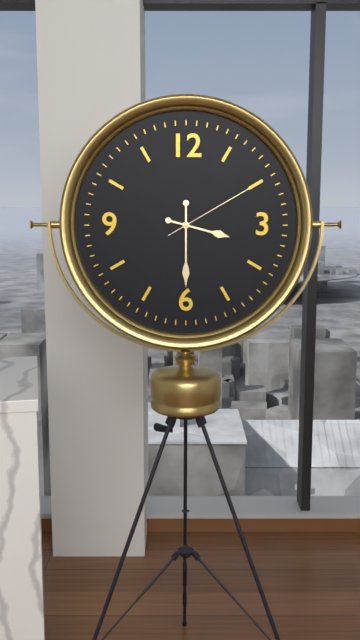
3:30:10
